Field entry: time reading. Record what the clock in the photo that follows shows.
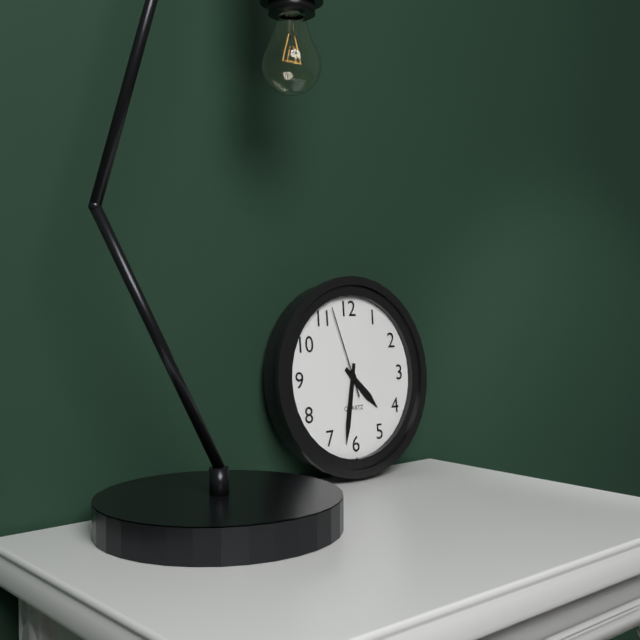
4:32:57
